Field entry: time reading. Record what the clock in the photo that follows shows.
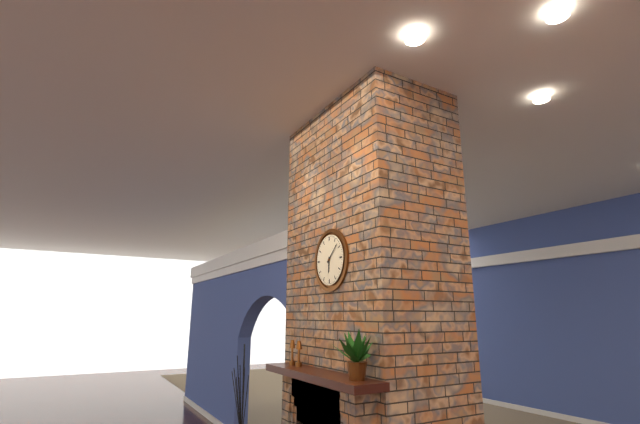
6:08
